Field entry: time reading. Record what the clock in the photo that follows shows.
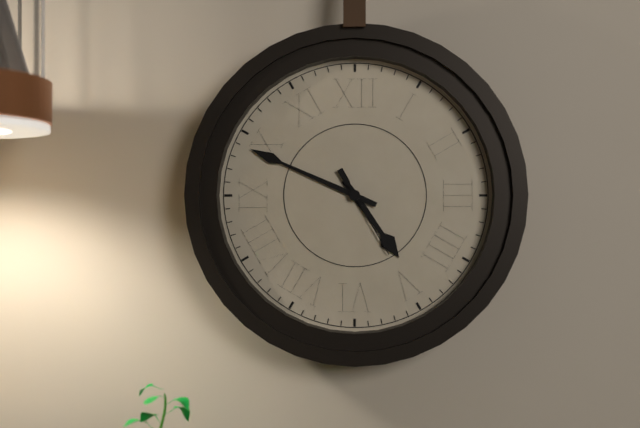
4:49:25
